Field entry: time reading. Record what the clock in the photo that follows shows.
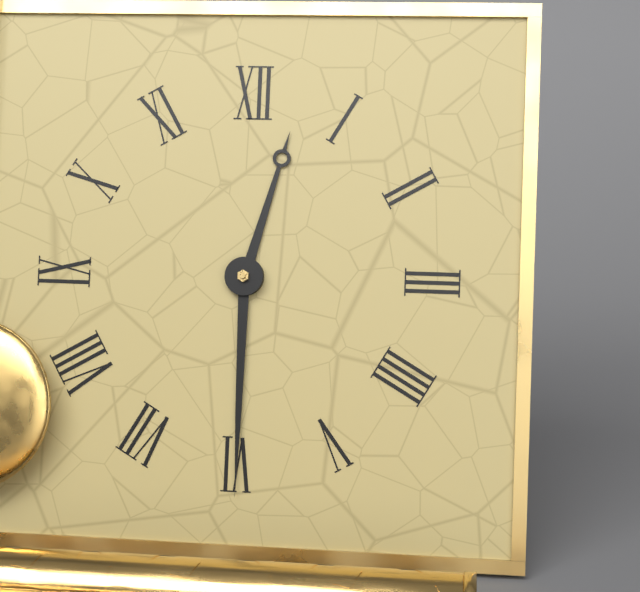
12:30
